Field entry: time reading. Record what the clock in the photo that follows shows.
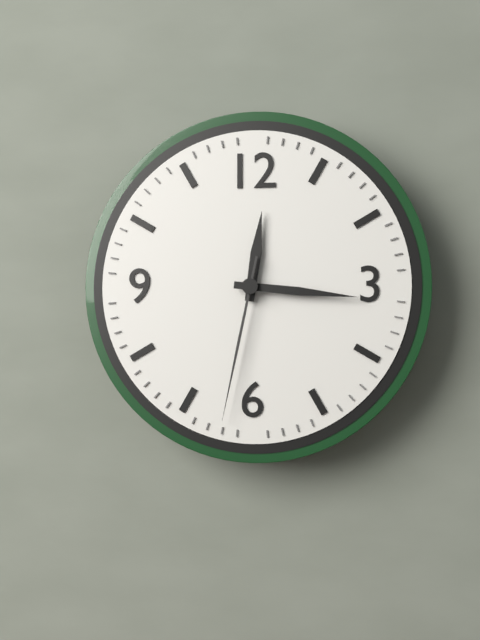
12:16:32
